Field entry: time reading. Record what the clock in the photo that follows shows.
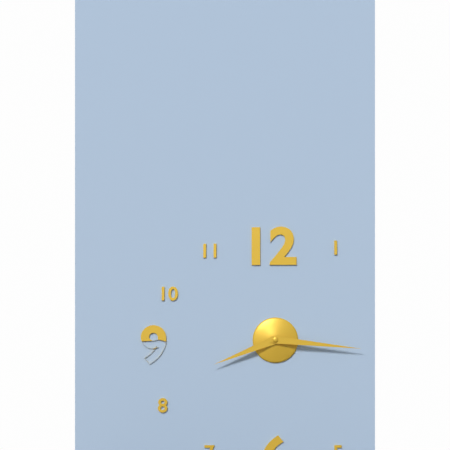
8:16
